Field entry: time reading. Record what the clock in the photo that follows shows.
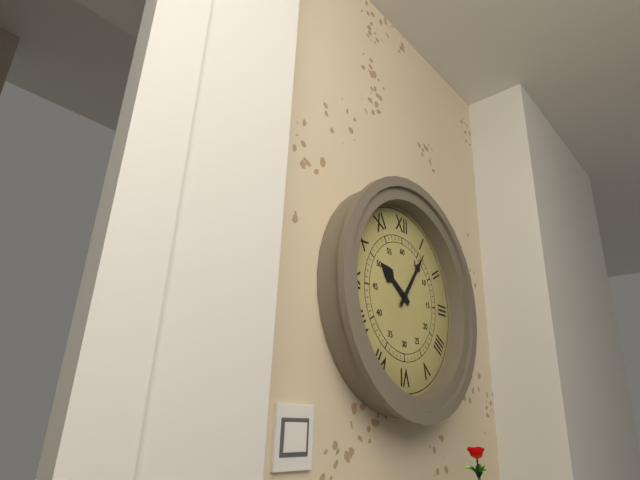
10:06
